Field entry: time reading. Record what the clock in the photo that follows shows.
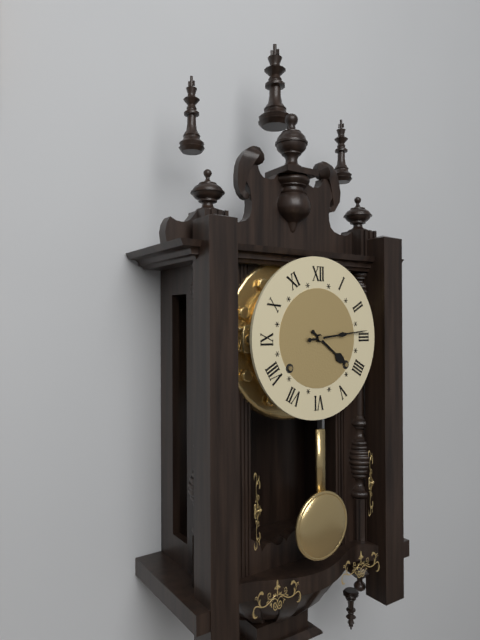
4:14
